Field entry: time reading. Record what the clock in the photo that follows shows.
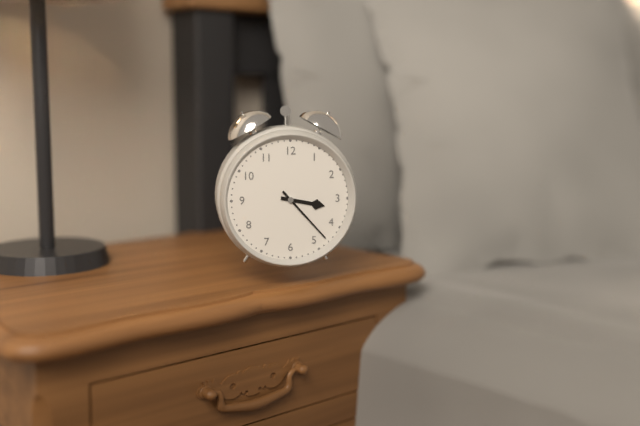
3:23
